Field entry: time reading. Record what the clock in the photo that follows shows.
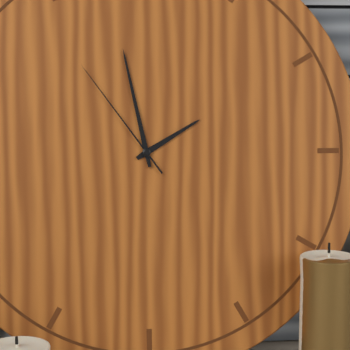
1:58:54
